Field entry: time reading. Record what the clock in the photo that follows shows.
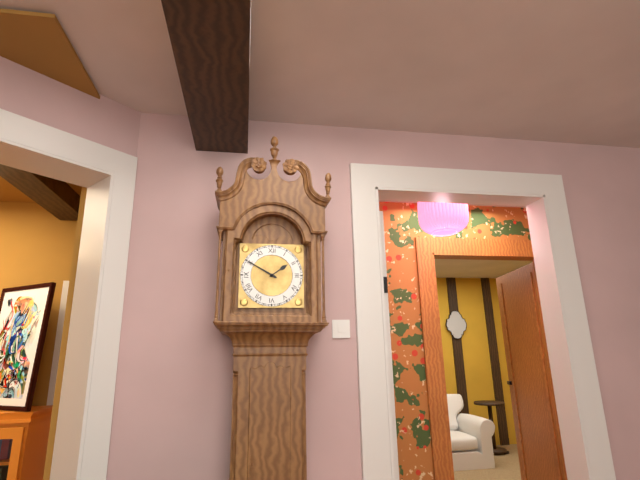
1:50
